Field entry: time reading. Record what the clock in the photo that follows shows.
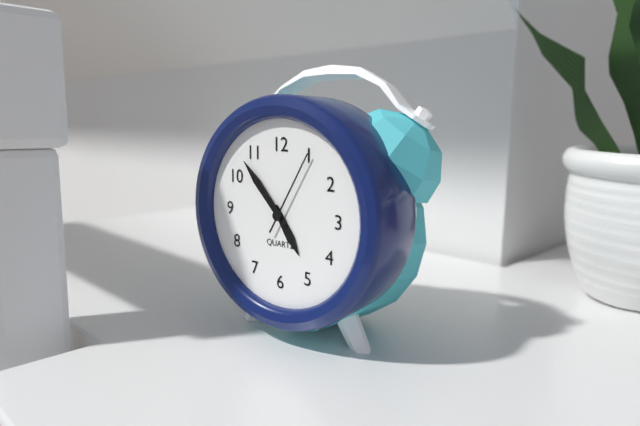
4:53:05
